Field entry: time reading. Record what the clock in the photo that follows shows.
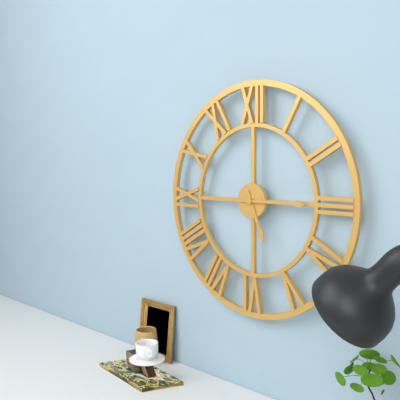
5:15
